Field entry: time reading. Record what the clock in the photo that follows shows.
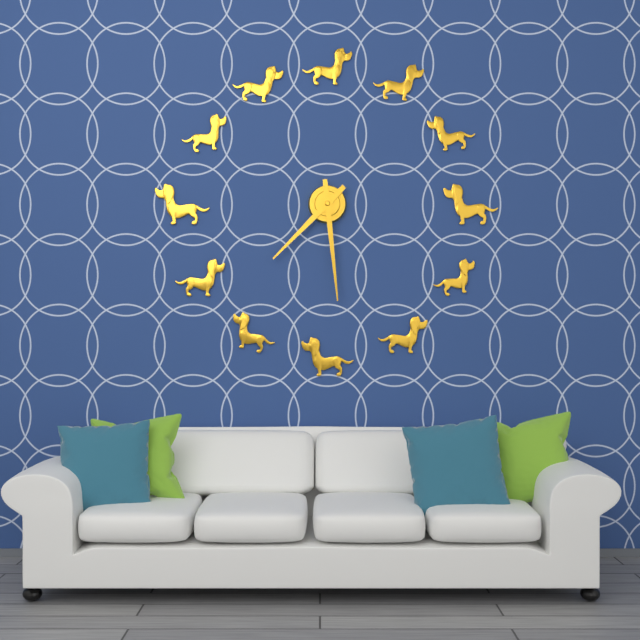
7:29
